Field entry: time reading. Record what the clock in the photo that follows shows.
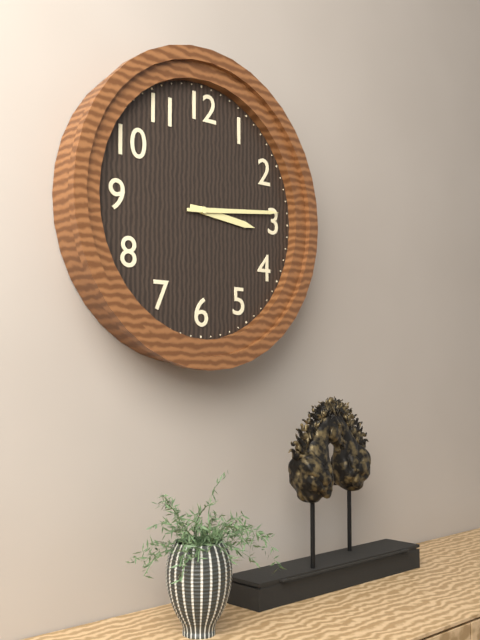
3:14
